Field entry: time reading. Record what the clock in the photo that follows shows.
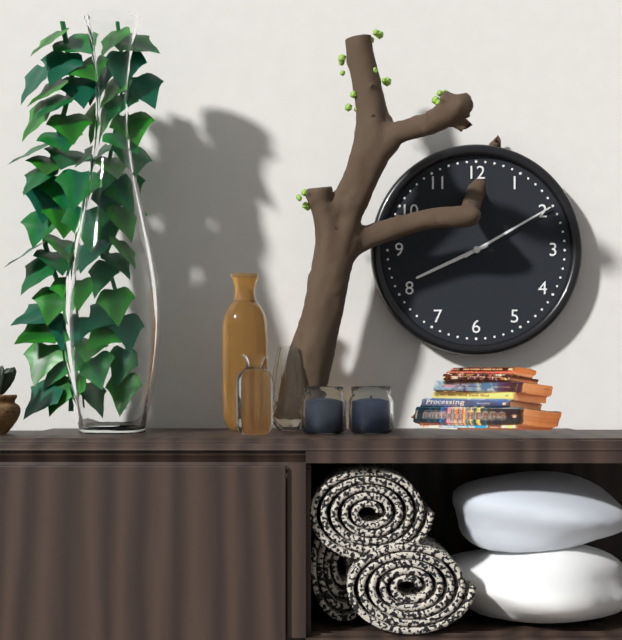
8:10
